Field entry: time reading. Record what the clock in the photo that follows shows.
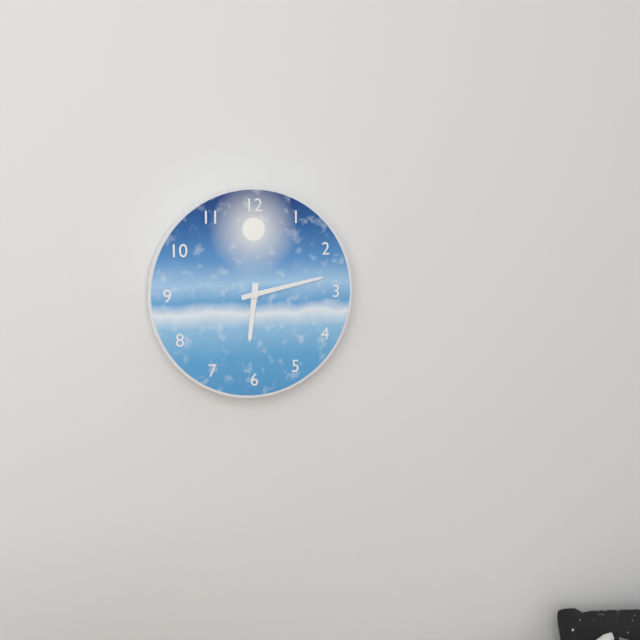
6:13
